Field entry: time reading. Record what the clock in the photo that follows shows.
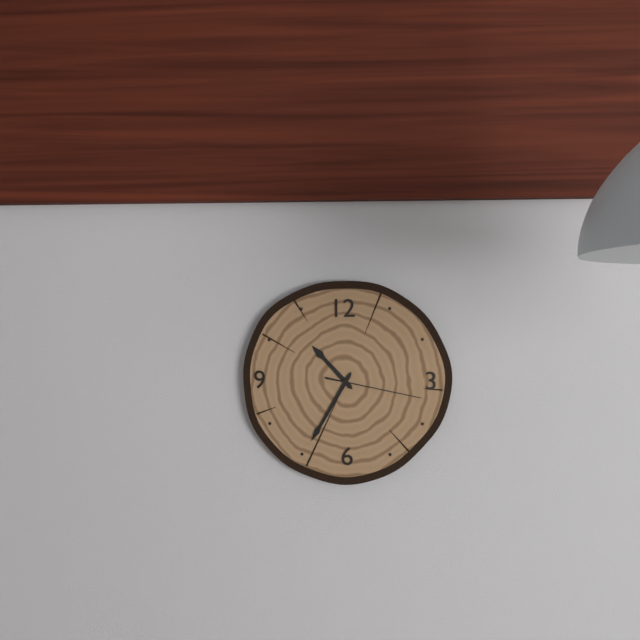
10:35:17
